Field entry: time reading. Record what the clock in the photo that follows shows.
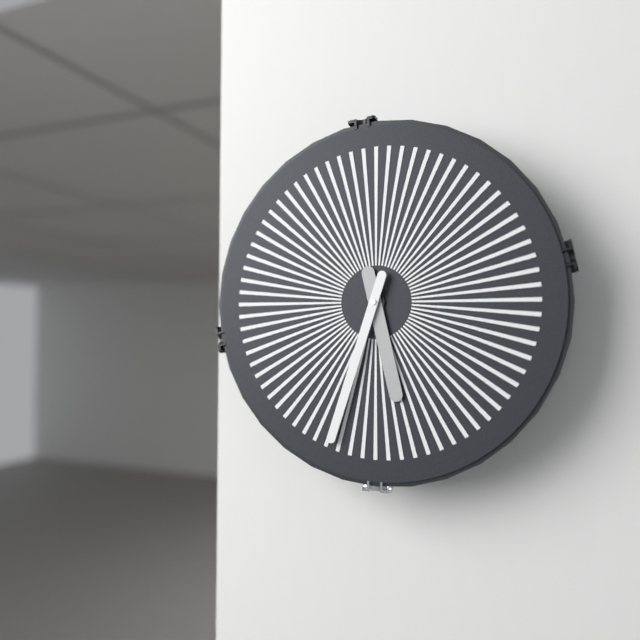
5:33
